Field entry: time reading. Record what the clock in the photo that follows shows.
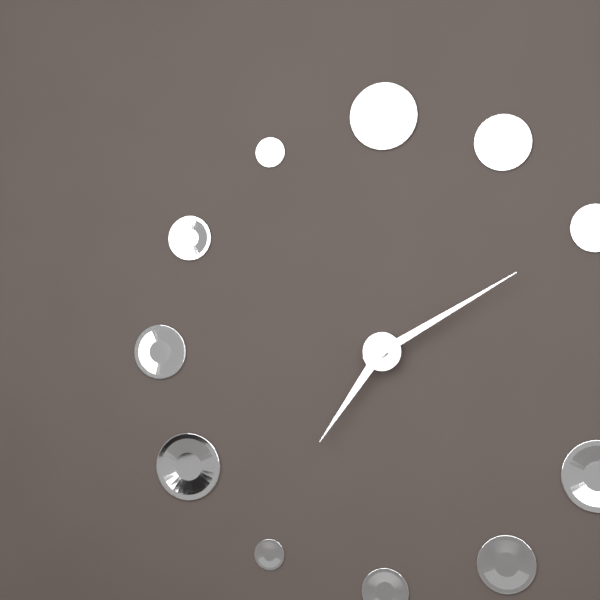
7:10
